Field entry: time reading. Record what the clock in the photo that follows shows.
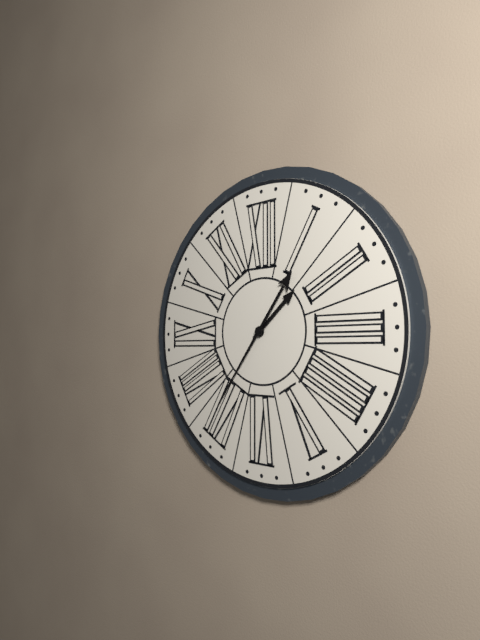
1:36
